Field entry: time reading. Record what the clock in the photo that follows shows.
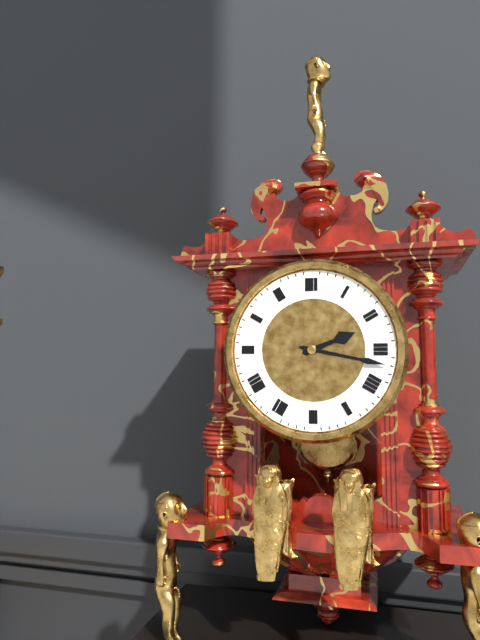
2:17
